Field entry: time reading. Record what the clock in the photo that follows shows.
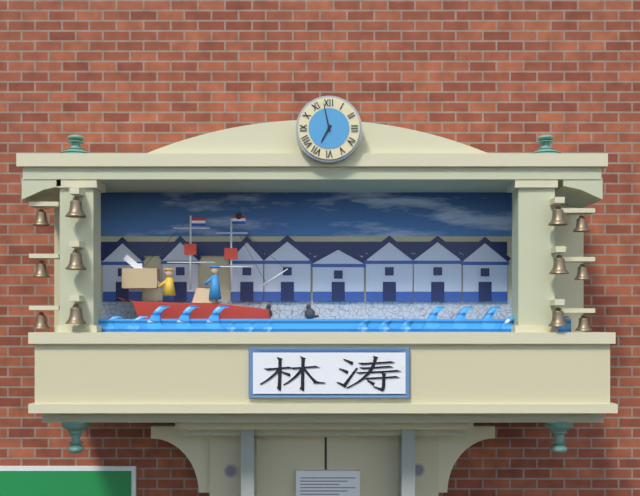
6:58
